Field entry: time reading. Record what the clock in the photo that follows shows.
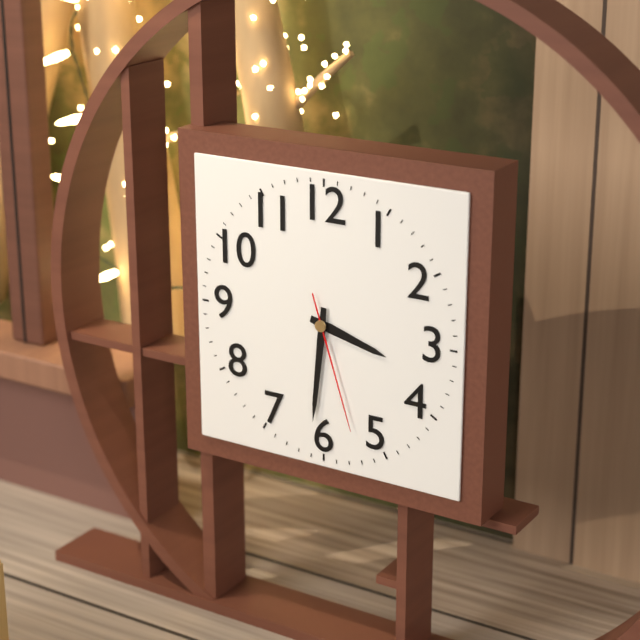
3:31:27
